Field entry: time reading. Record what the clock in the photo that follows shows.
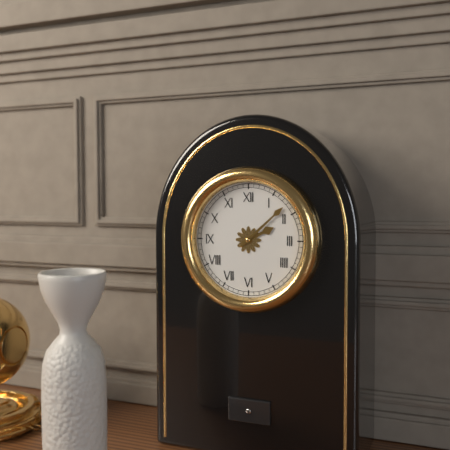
2:08
